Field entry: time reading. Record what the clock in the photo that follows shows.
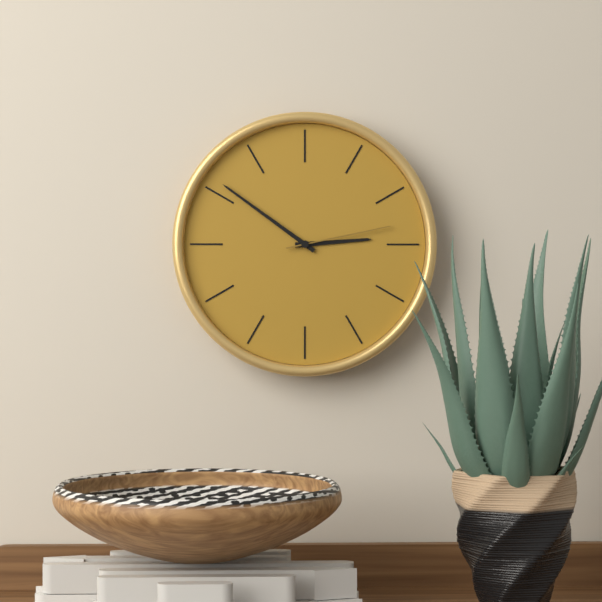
2:51:13
